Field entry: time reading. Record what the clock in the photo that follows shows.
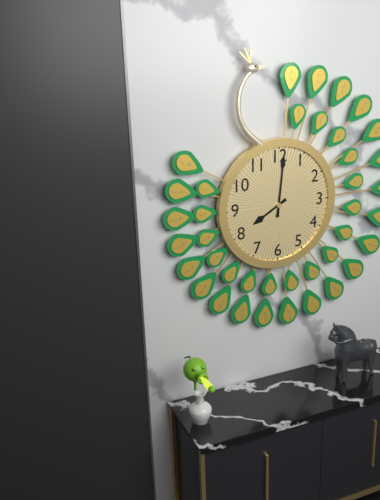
8:01
